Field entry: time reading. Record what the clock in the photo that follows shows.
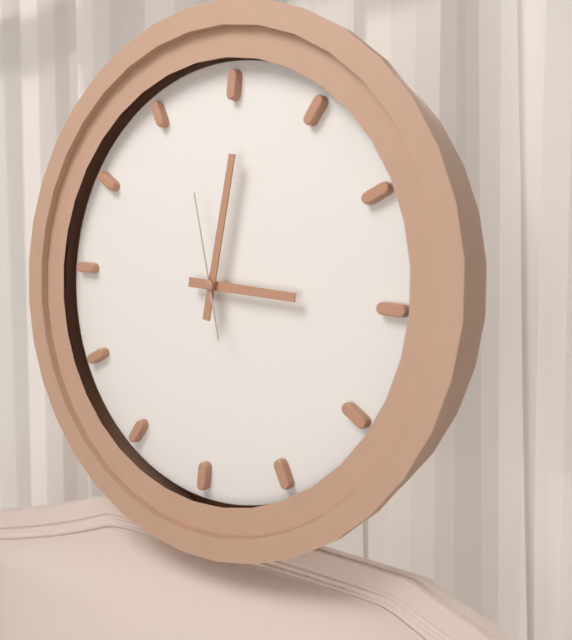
3:01:57
